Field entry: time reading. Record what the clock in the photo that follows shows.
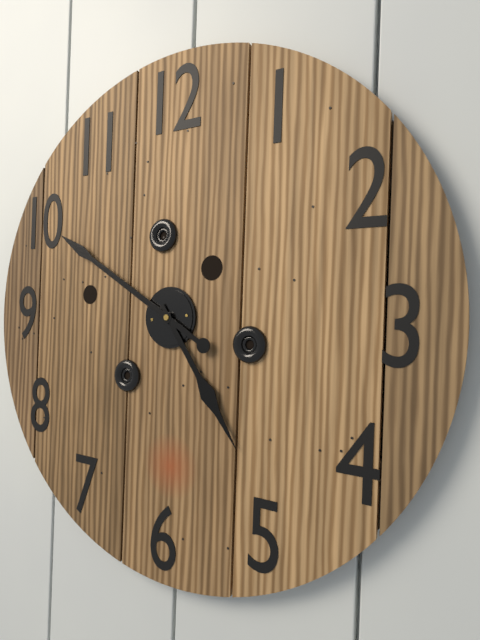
4:50
